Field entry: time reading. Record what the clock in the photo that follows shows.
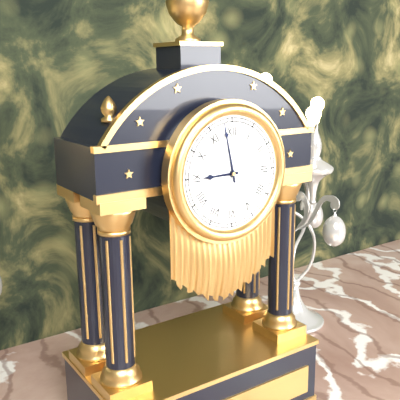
8:58
